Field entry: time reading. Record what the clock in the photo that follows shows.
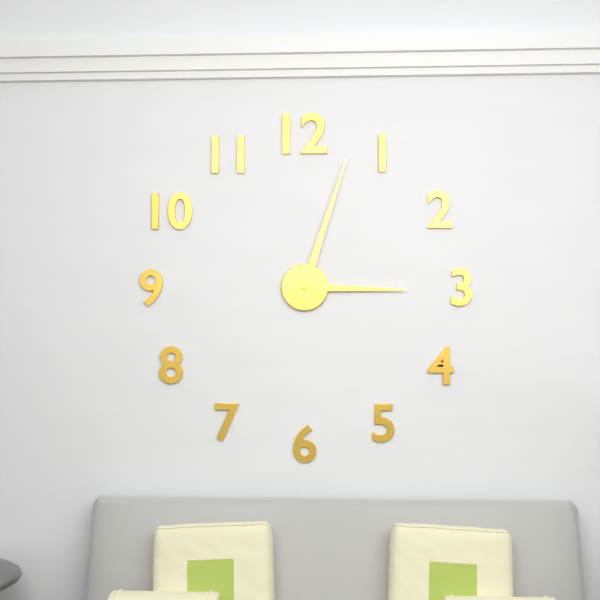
3:03
